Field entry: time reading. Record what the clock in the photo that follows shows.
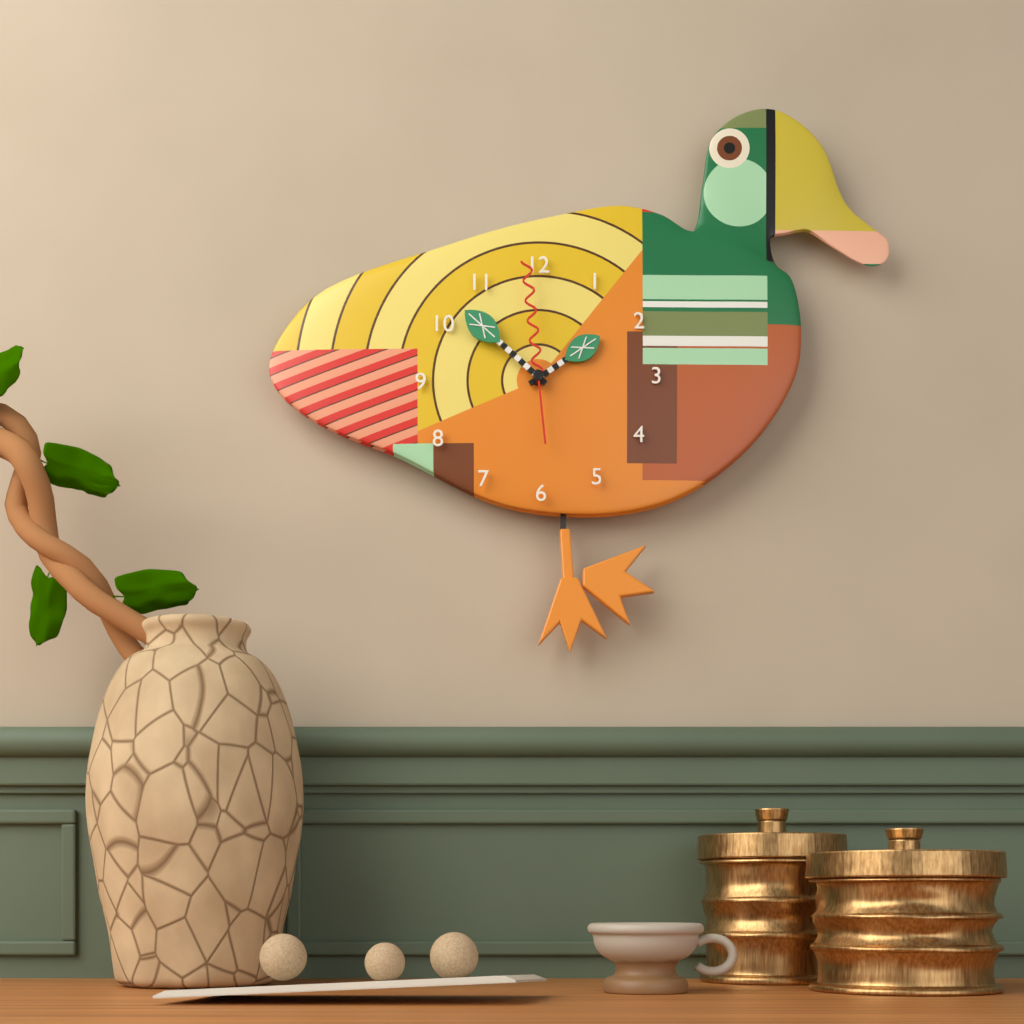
1:52:59
